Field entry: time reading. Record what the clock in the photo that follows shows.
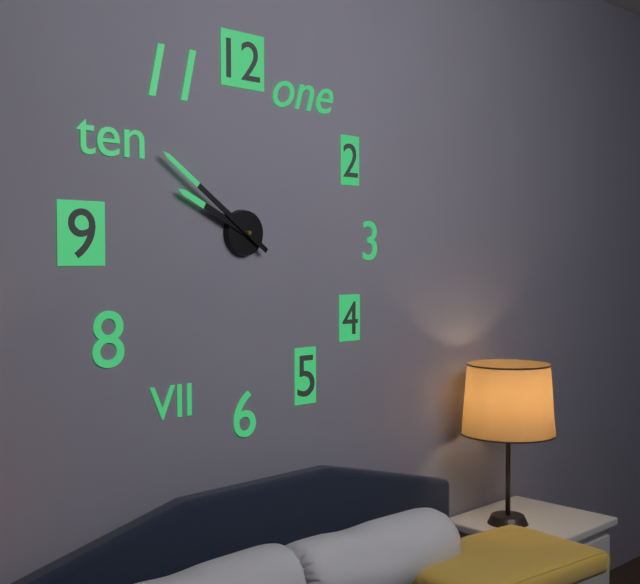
9:51
